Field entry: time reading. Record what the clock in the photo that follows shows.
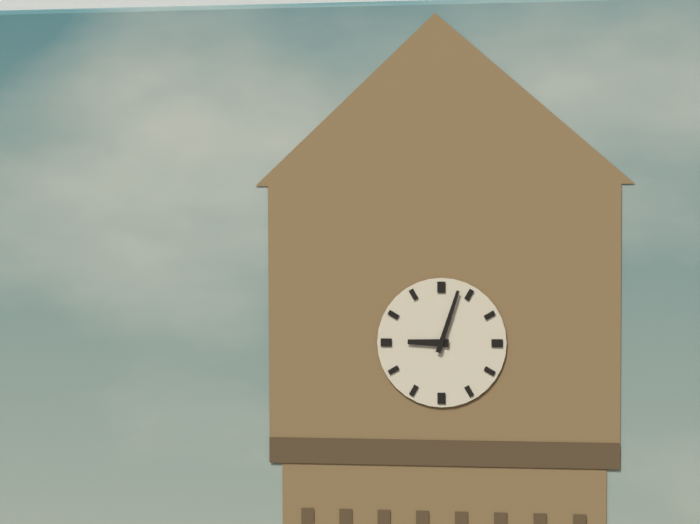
9:03
